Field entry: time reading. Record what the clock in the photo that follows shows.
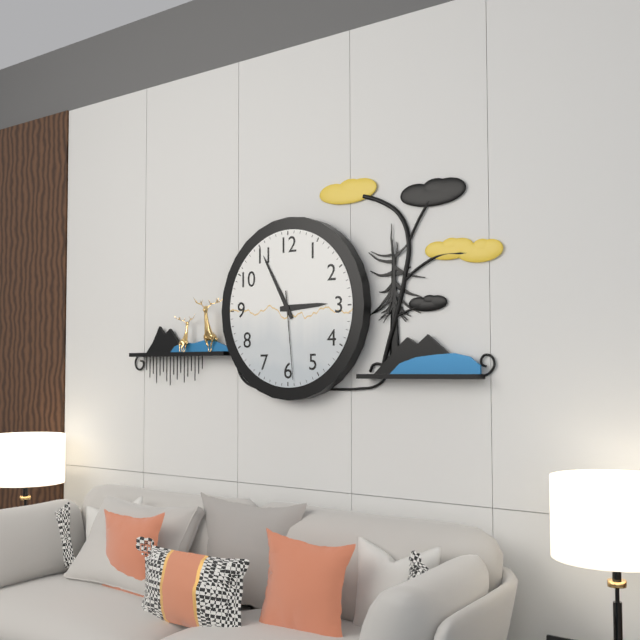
2:55:29
